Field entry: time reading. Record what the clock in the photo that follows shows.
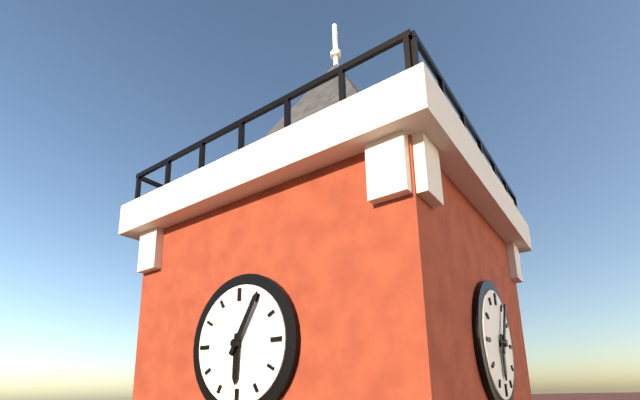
6:05
